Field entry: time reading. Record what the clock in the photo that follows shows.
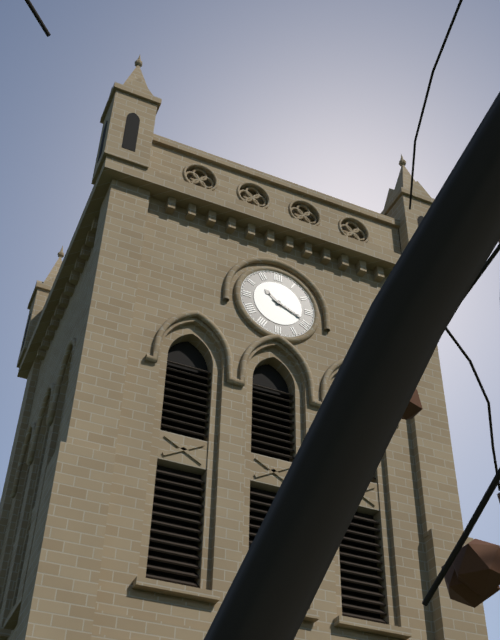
10:19
